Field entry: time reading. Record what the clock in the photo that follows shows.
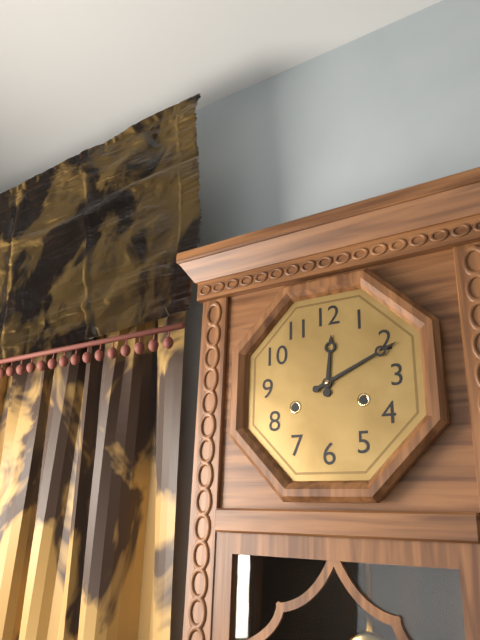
12:11
